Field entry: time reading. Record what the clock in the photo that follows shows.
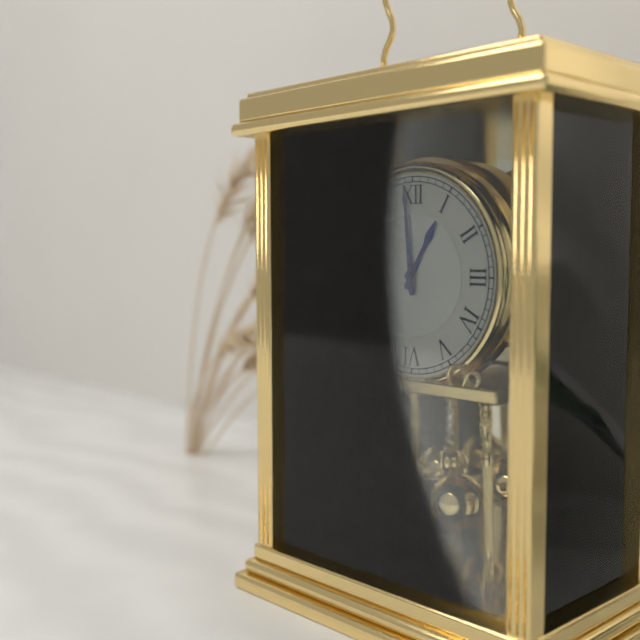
12:59
